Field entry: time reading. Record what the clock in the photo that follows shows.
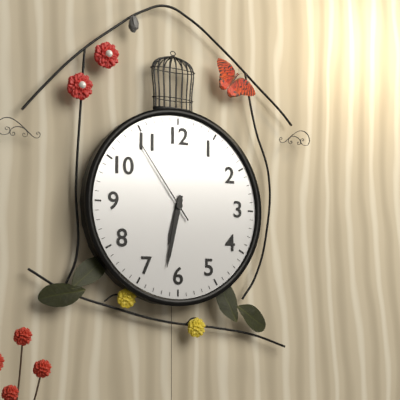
6:32:54
